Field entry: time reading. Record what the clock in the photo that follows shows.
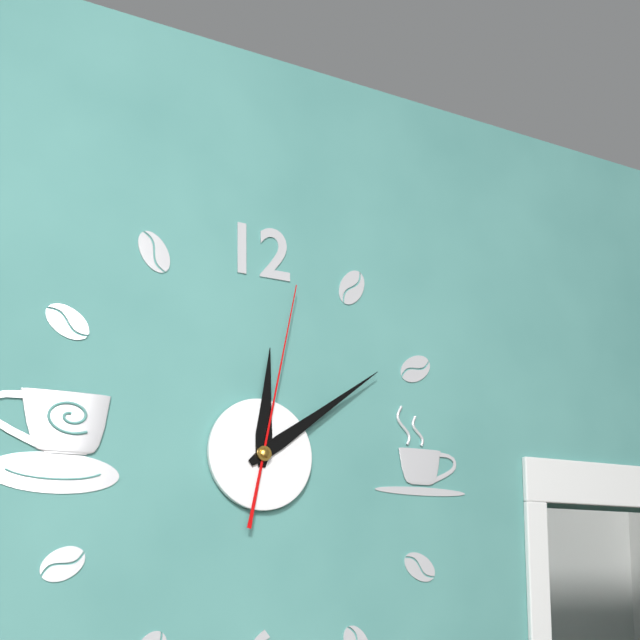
12:09:02
